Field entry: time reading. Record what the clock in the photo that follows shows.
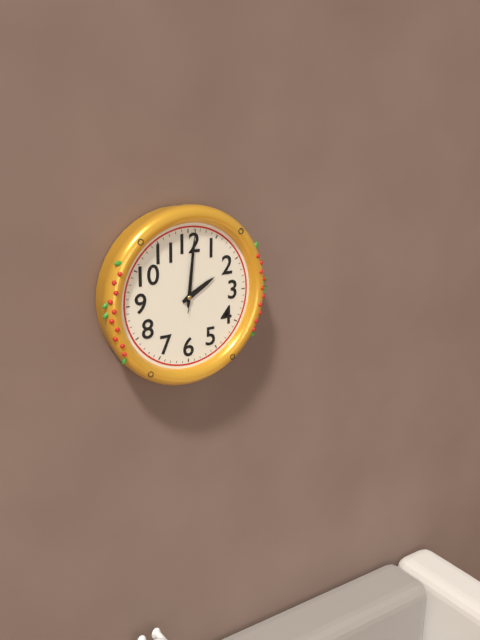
2:01:01
